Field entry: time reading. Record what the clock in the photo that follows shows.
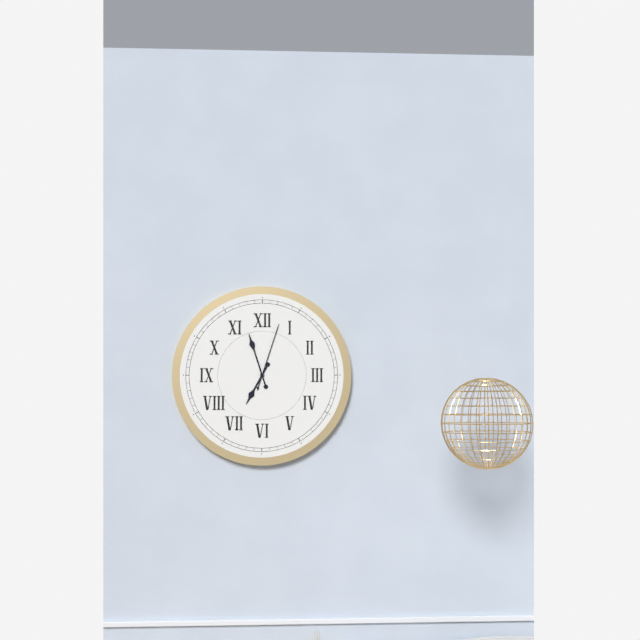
6:57:03
